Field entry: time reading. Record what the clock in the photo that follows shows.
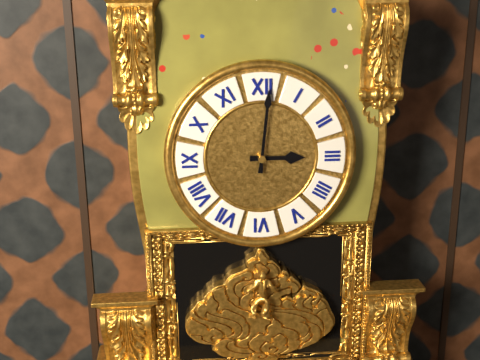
3:01
